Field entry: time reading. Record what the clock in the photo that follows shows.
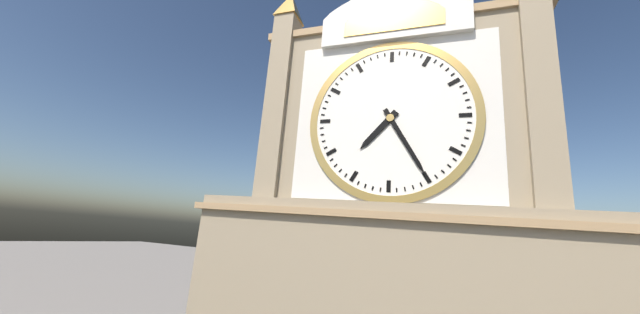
7:25
